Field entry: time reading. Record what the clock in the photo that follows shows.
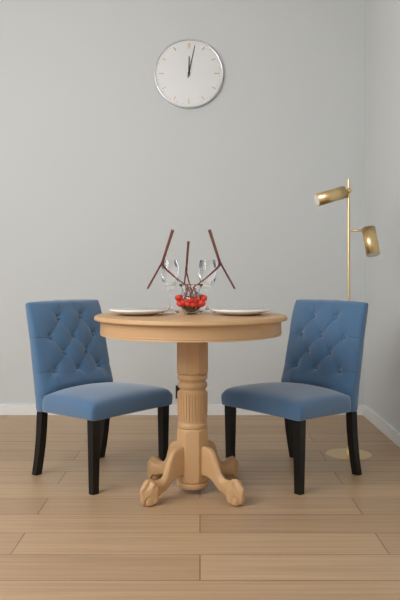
12:02
